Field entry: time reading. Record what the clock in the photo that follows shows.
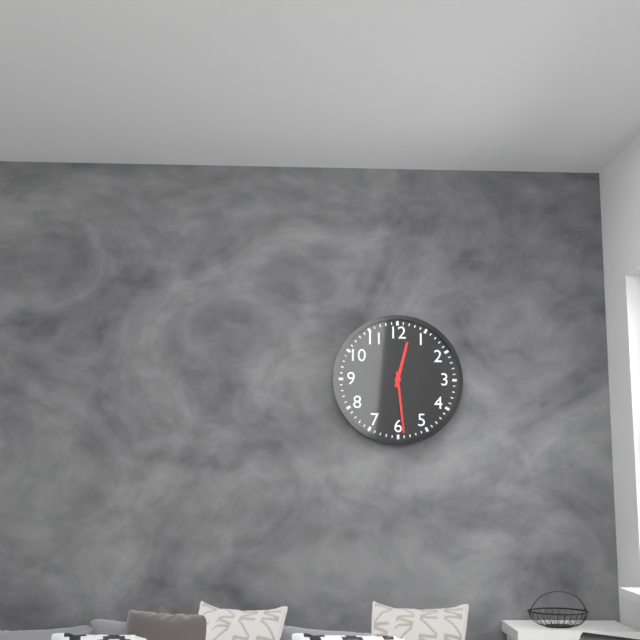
12:29
